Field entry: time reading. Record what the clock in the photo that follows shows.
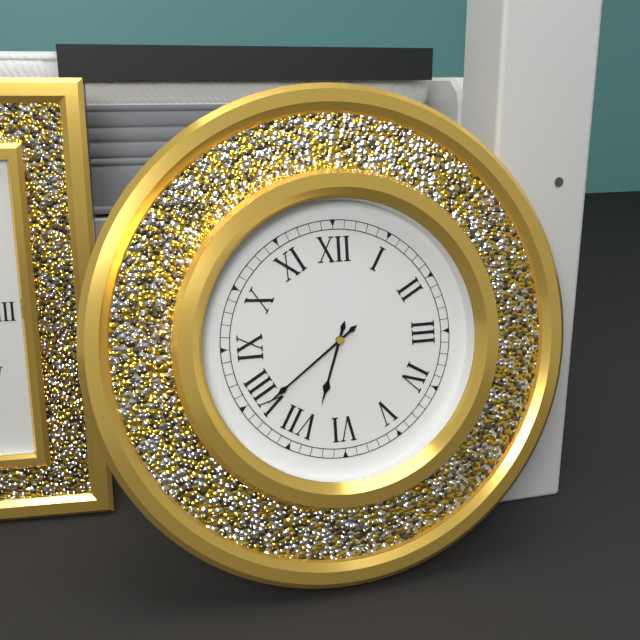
6:39
